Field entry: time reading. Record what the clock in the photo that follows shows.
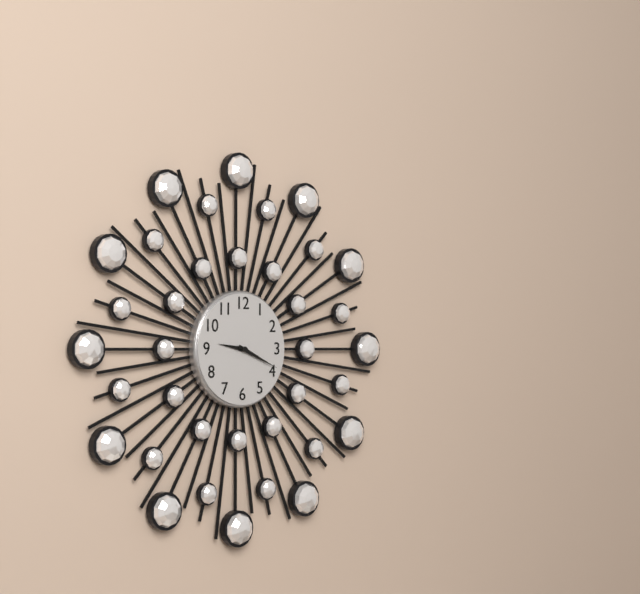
9:19
